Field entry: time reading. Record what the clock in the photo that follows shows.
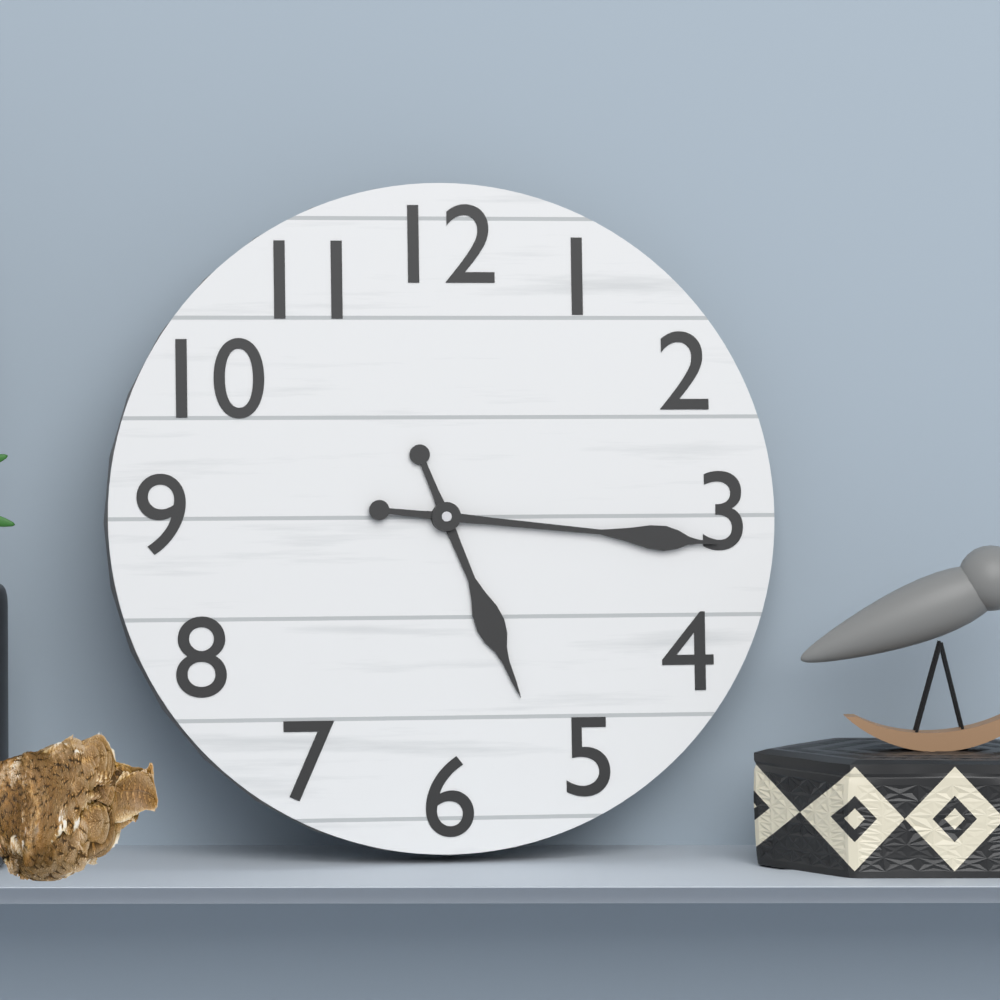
5:16
